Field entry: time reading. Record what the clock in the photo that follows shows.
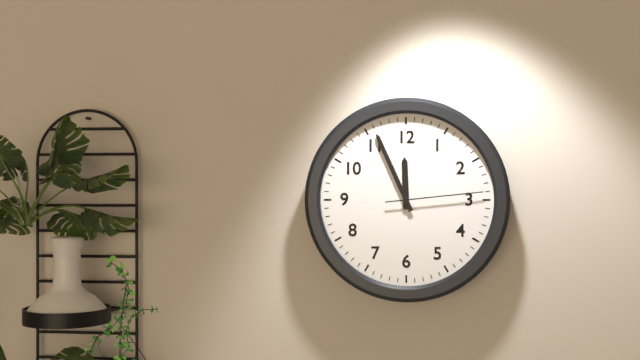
11:56:14
